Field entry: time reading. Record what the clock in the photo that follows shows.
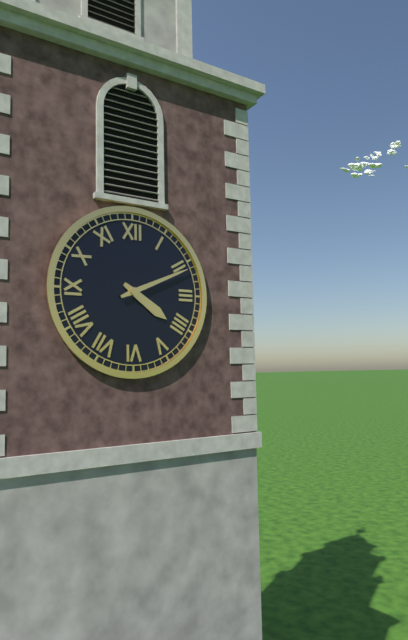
4:11
